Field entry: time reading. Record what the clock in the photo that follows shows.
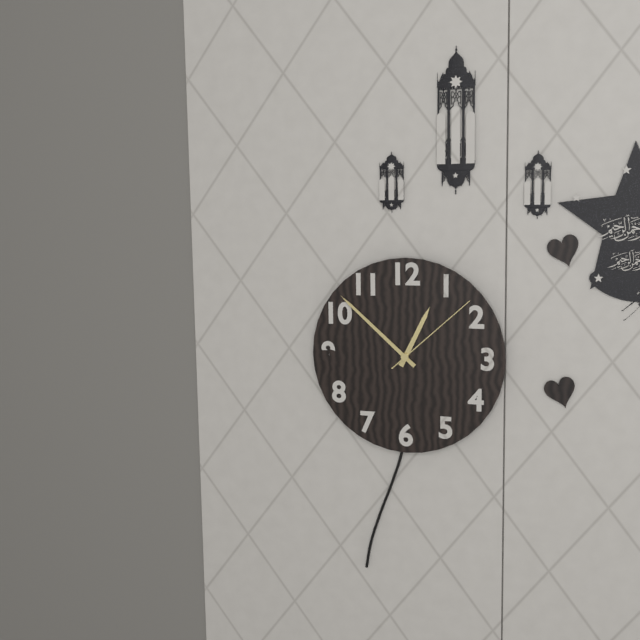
12:52:08
